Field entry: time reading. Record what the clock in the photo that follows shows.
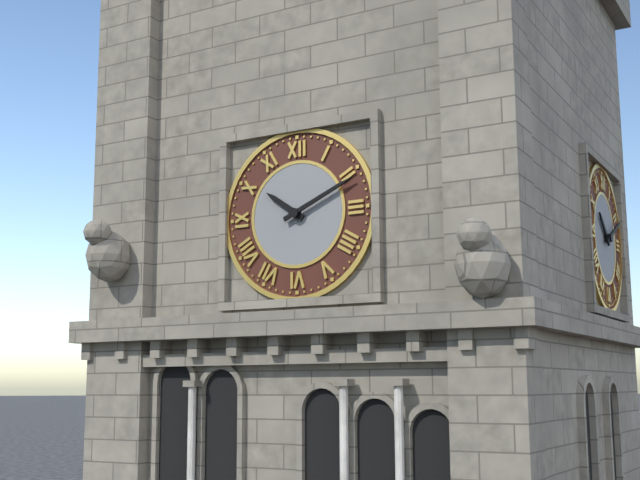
10:11
